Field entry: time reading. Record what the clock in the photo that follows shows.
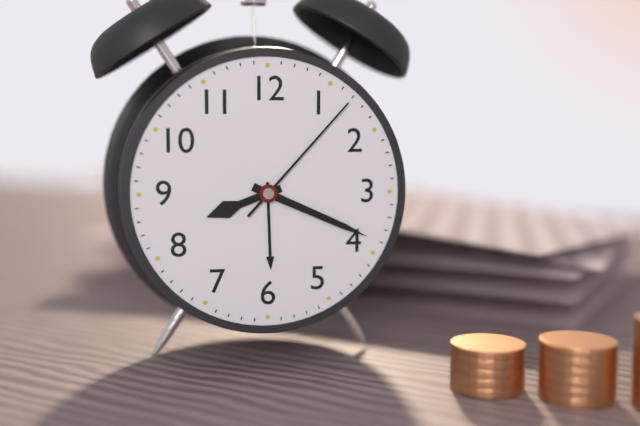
8:19:07
